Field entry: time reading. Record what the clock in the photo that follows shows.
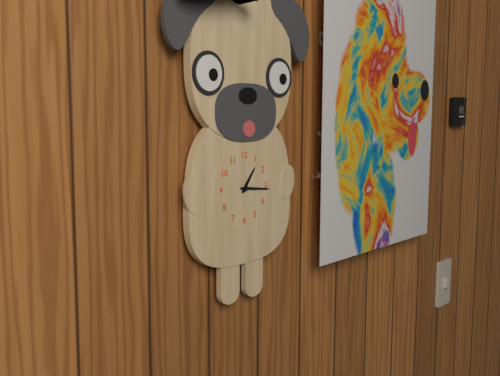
1:16
